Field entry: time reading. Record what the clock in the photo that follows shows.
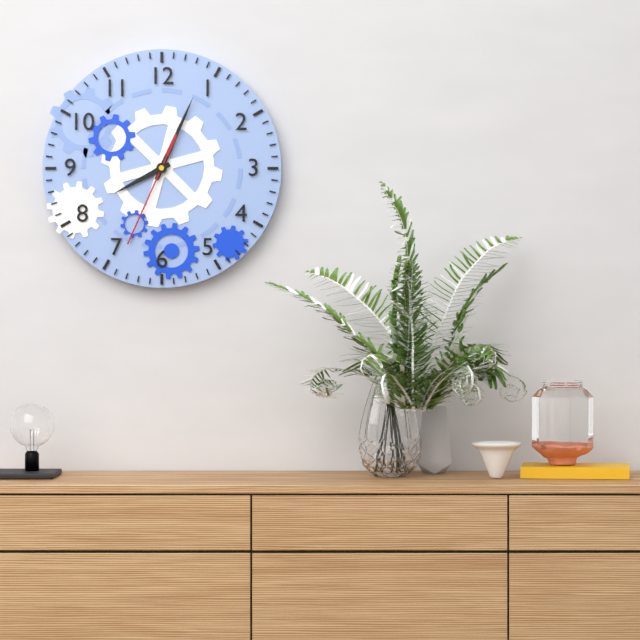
8:04:34
